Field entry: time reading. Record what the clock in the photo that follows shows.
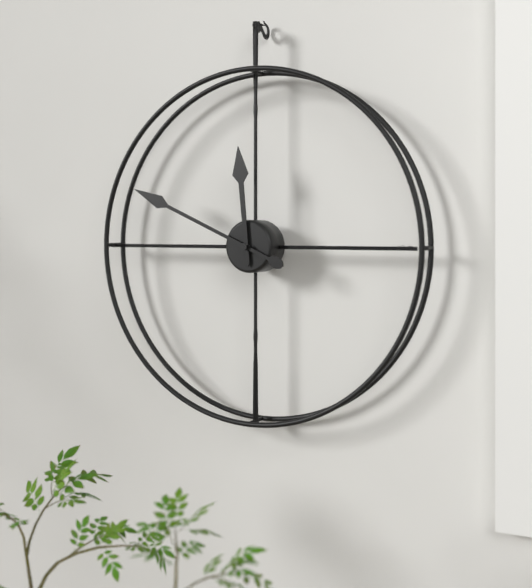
11:49
